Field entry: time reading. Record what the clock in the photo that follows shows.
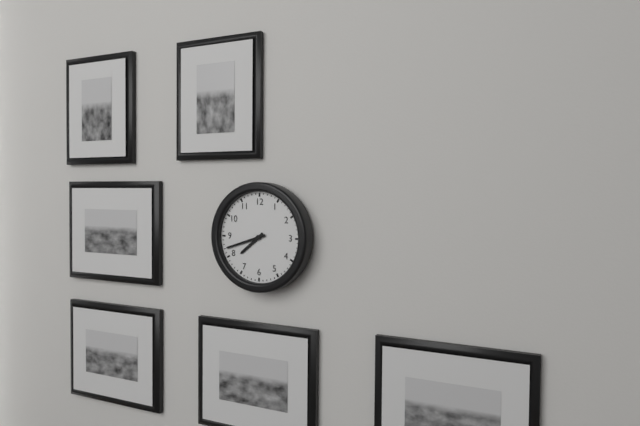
7:42
